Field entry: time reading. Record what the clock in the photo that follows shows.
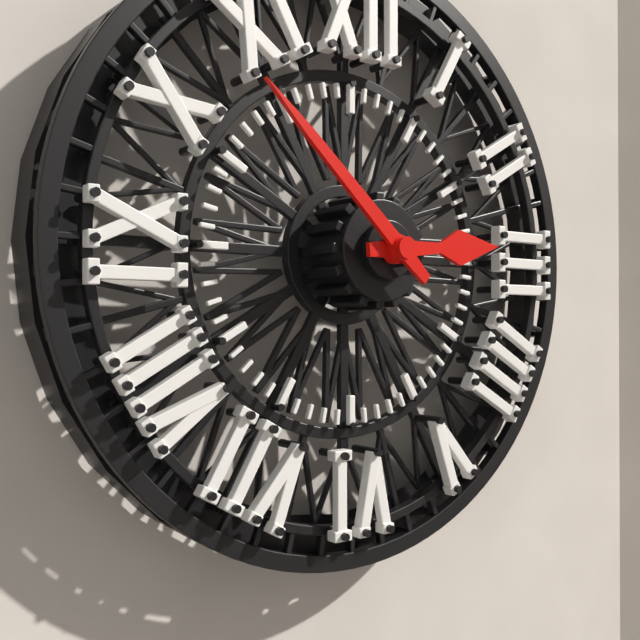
2:52
